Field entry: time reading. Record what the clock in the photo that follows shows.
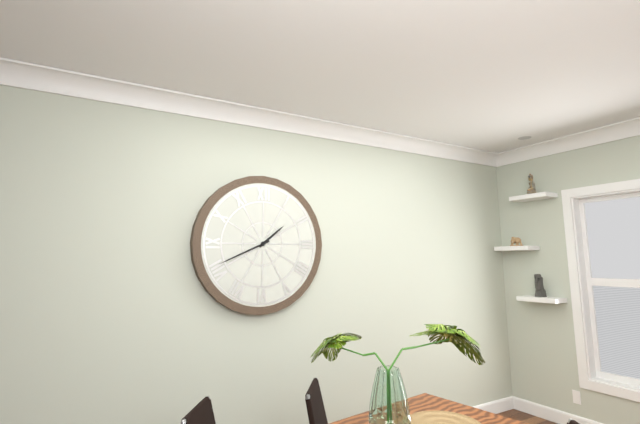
1:41
